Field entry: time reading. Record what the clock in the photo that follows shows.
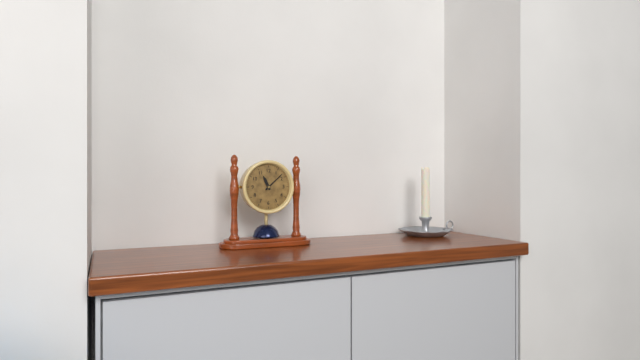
11:08
